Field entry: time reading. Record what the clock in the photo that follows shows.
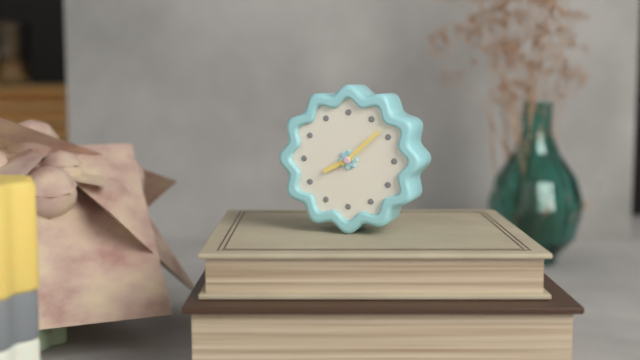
8:08
